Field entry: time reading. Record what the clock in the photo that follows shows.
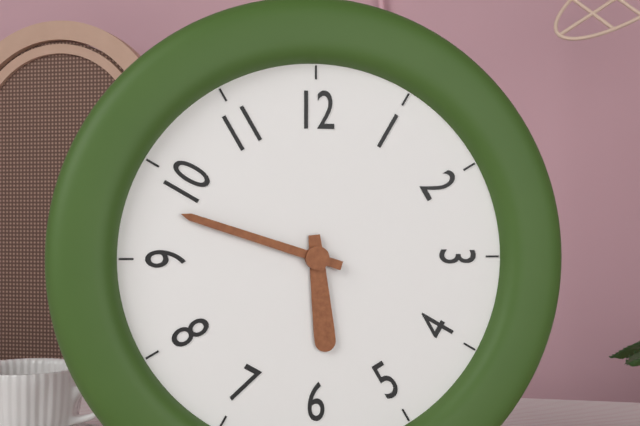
5:48
